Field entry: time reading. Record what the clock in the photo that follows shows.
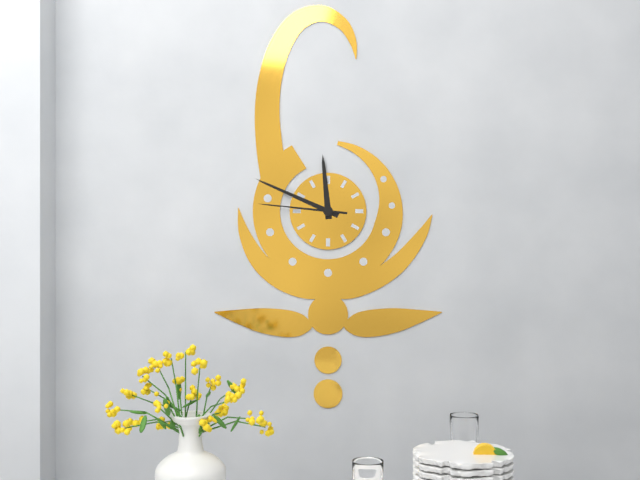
11:49:46
